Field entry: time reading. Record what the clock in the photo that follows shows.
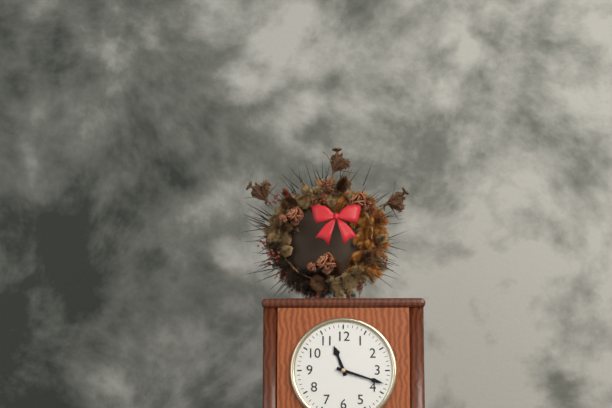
11:18
